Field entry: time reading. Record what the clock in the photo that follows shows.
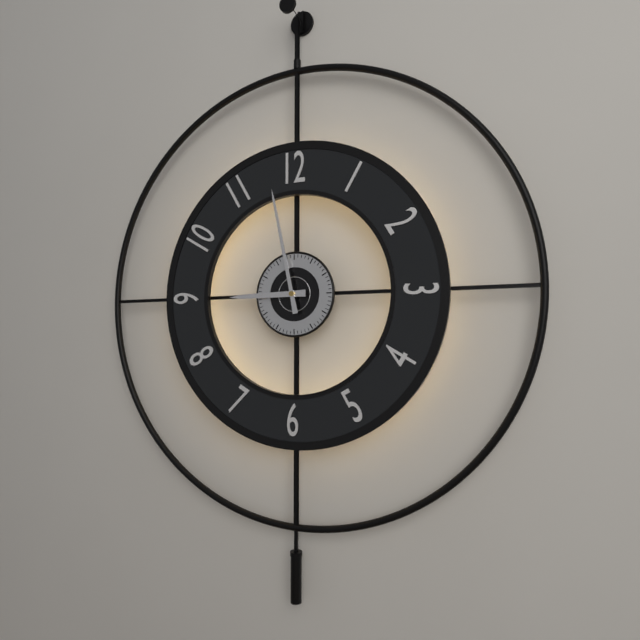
8:58
